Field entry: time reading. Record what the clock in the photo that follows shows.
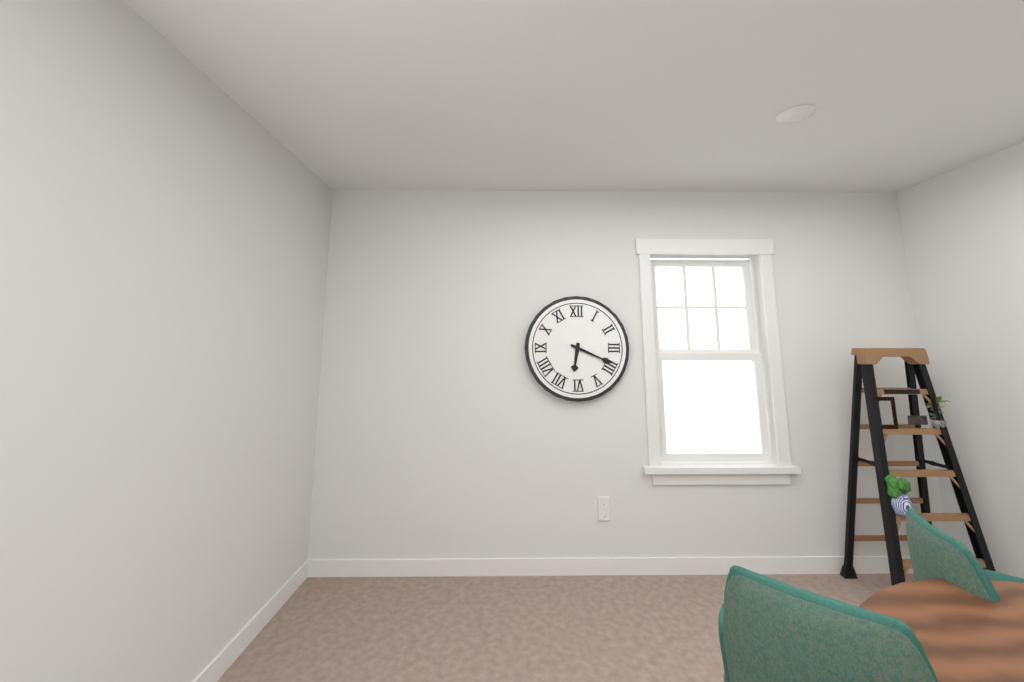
6:19
